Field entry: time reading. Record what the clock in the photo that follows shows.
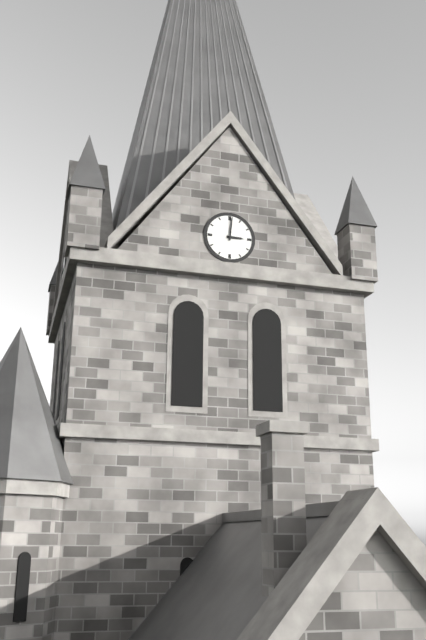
3:01
